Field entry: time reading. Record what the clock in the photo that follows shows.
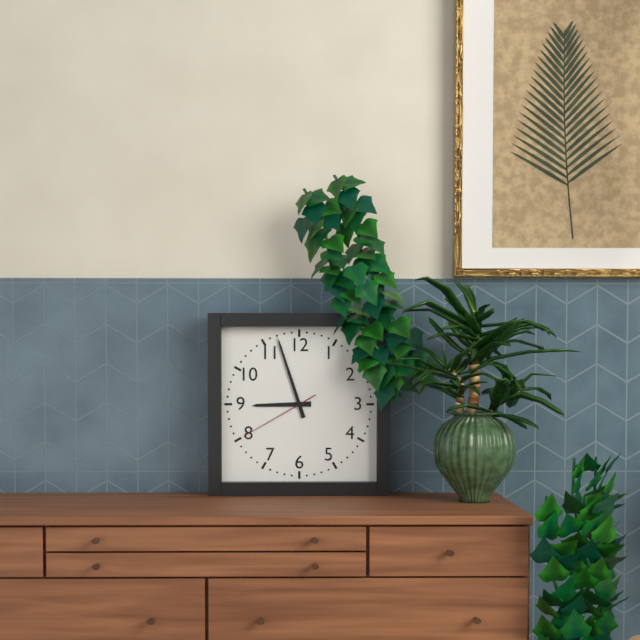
8:57:40
